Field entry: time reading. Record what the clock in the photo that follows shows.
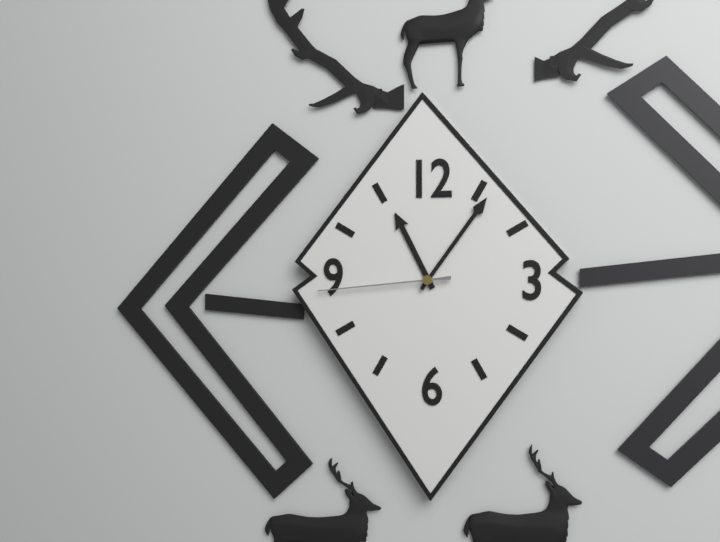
11:06:44
